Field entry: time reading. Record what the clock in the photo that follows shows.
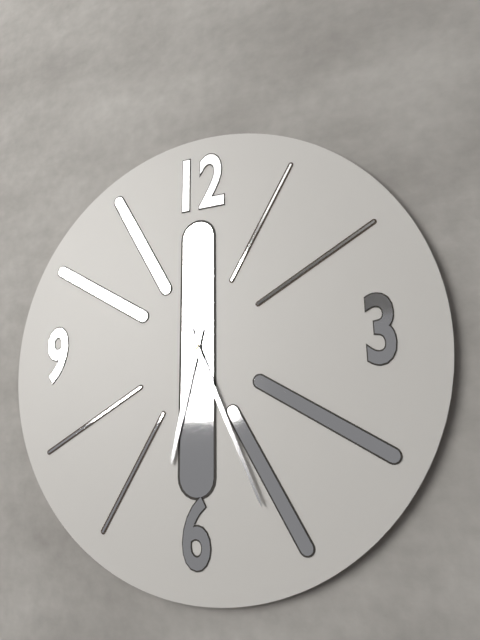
6:26
